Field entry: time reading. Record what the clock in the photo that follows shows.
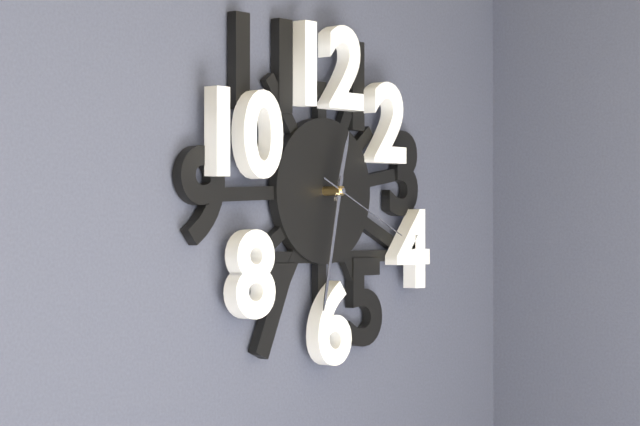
12:32:19
